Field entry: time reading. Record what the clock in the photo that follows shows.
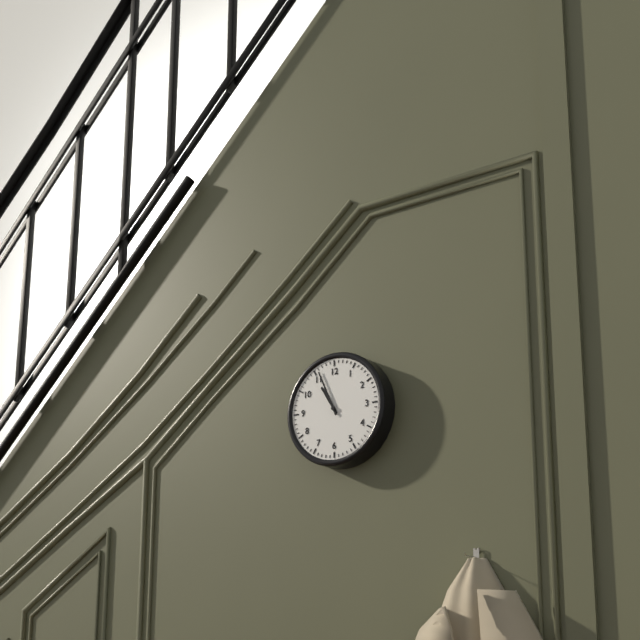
10:56
